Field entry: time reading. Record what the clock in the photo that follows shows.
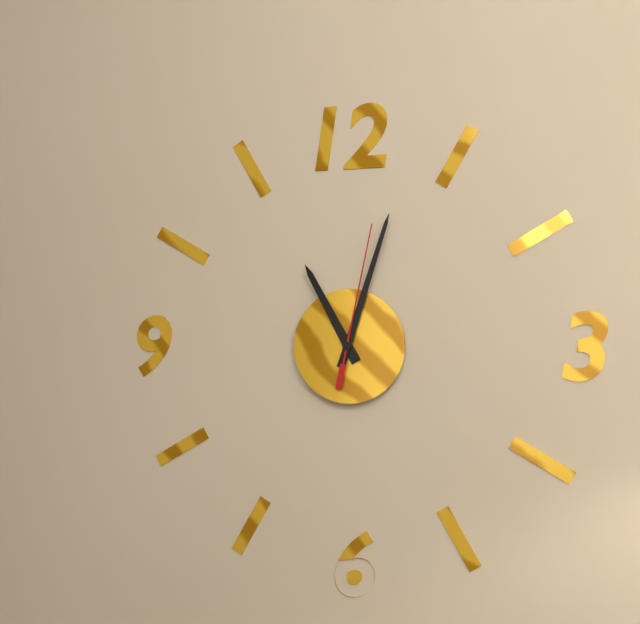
11:03:02
